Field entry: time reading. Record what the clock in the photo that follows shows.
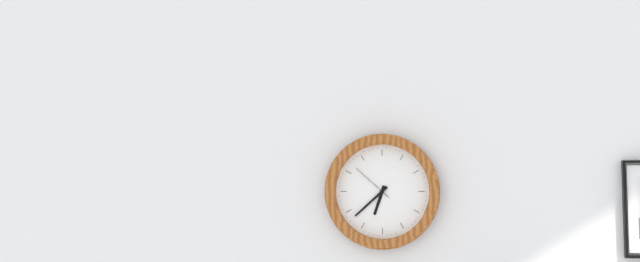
6:38
